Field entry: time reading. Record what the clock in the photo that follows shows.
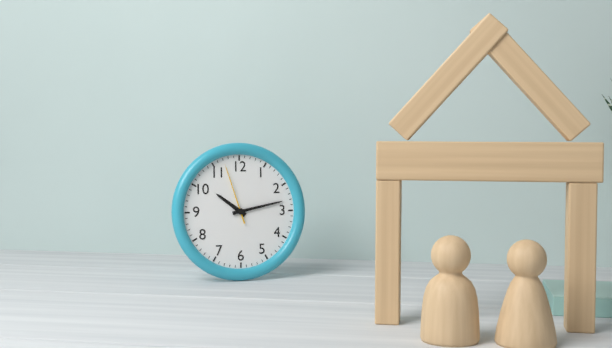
10:13:57
